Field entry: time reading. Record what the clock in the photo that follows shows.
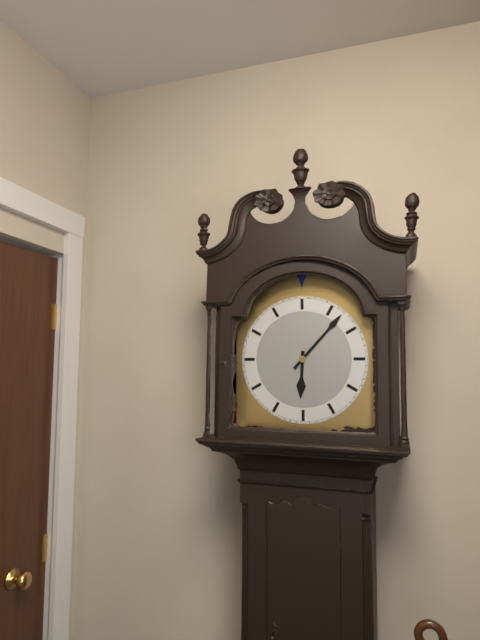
6:07
